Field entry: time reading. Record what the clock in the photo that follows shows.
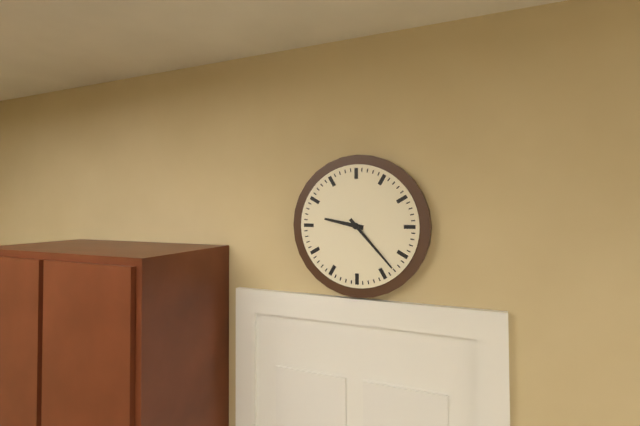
9:23
